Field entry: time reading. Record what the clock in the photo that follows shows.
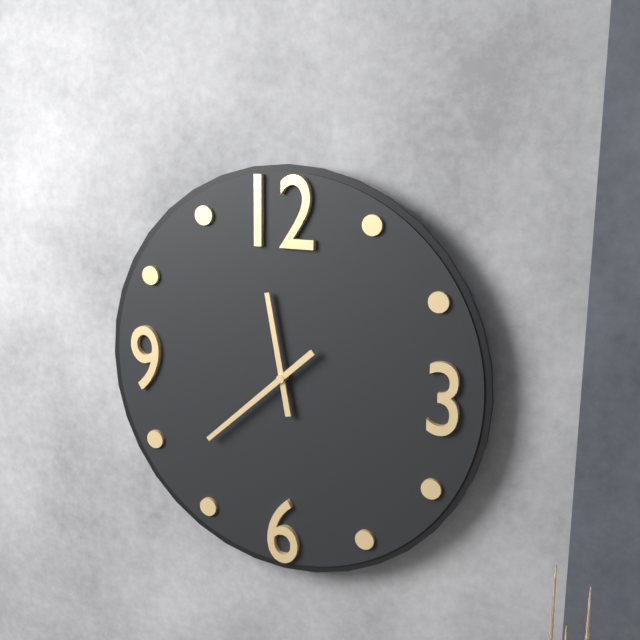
11:38
